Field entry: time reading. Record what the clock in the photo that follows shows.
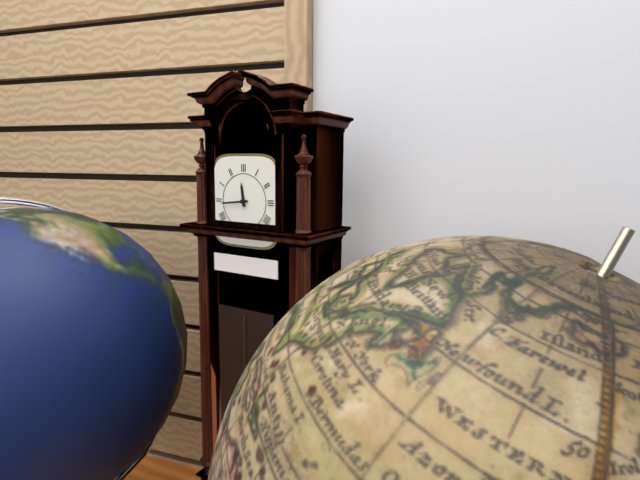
11:44
